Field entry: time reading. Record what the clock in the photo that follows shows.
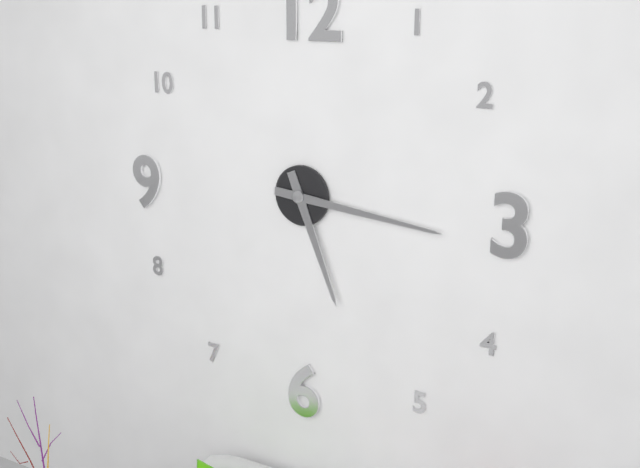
5:16
